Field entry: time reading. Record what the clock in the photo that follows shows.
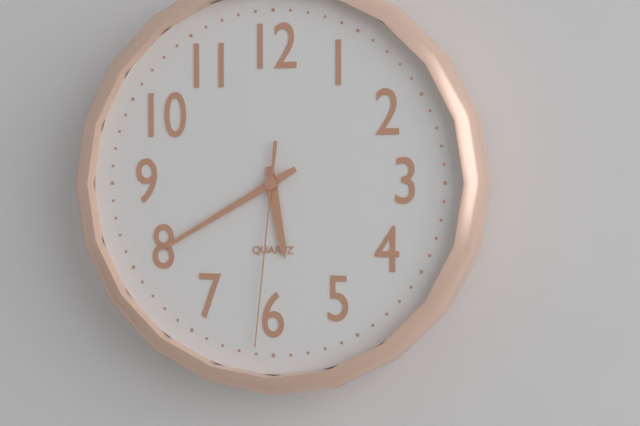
5:40:31
